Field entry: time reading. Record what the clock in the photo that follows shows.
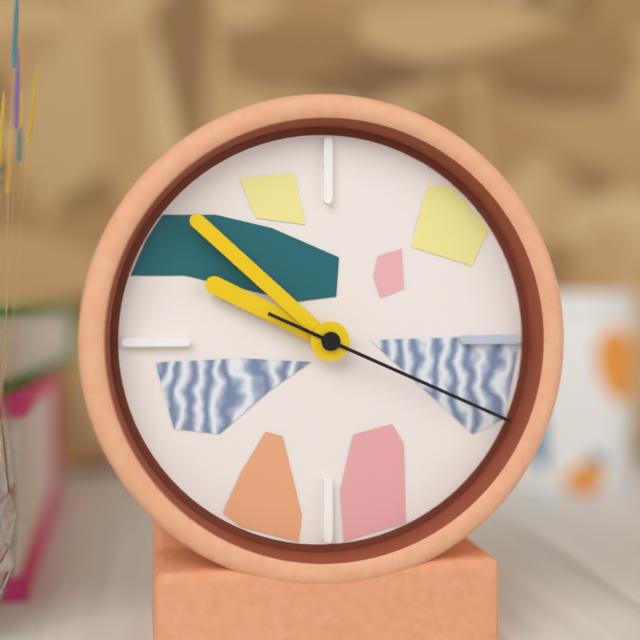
9:52:19
